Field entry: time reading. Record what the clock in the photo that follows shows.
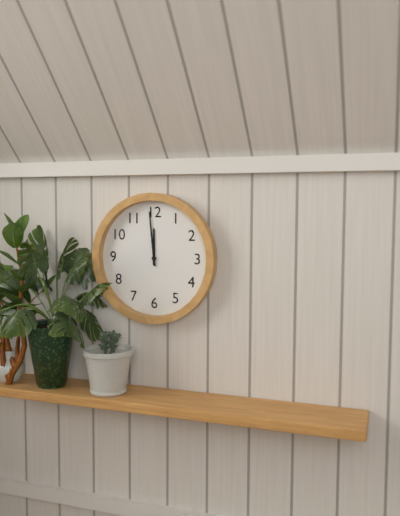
11:59
